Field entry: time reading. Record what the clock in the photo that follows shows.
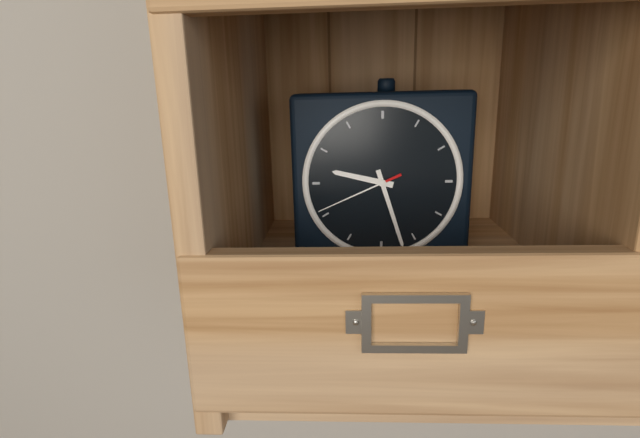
9:27:41
